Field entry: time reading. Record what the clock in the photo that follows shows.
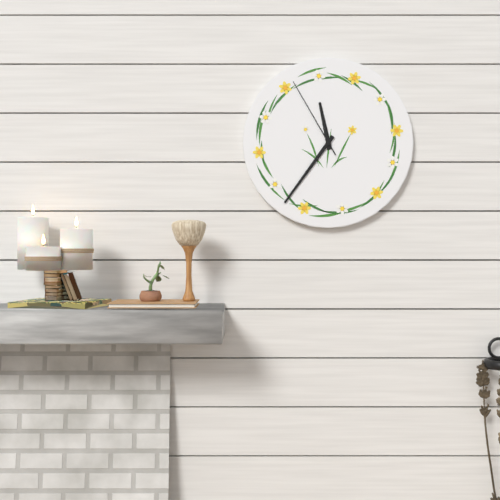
11:36:55
